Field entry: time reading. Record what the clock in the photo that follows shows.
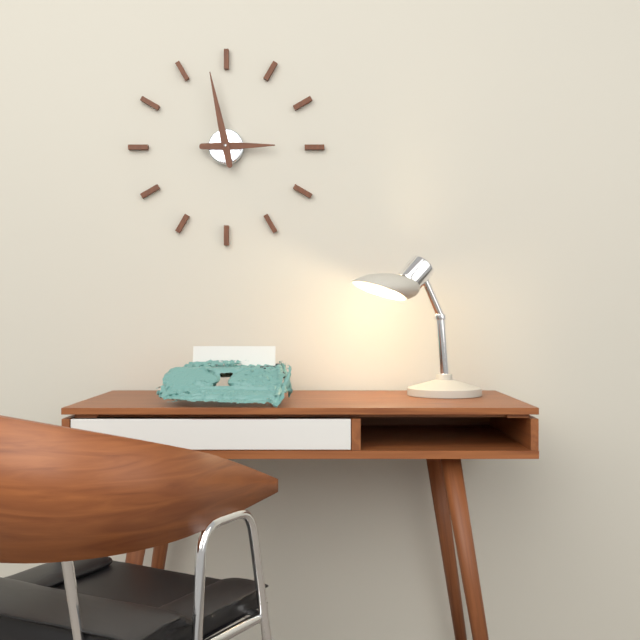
2:58
